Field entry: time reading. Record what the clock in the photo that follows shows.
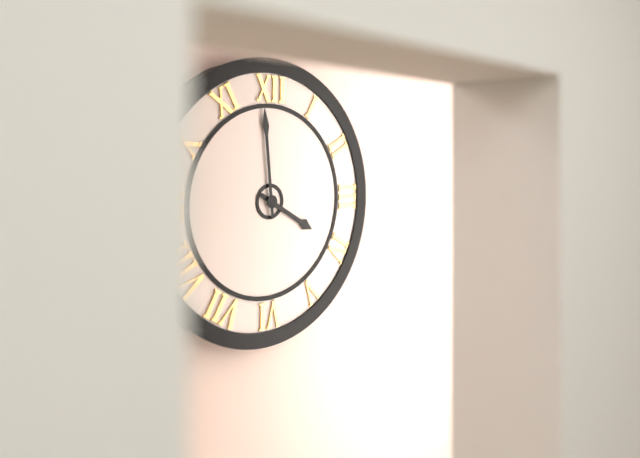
3:59
